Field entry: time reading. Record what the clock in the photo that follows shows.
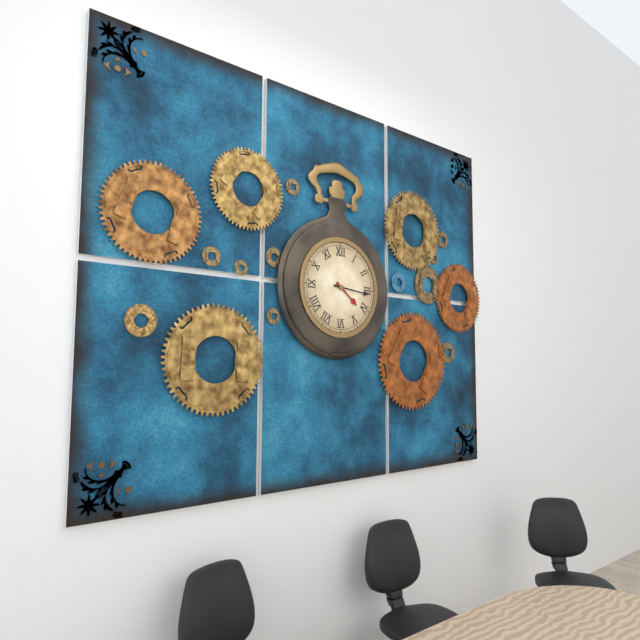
4:16
